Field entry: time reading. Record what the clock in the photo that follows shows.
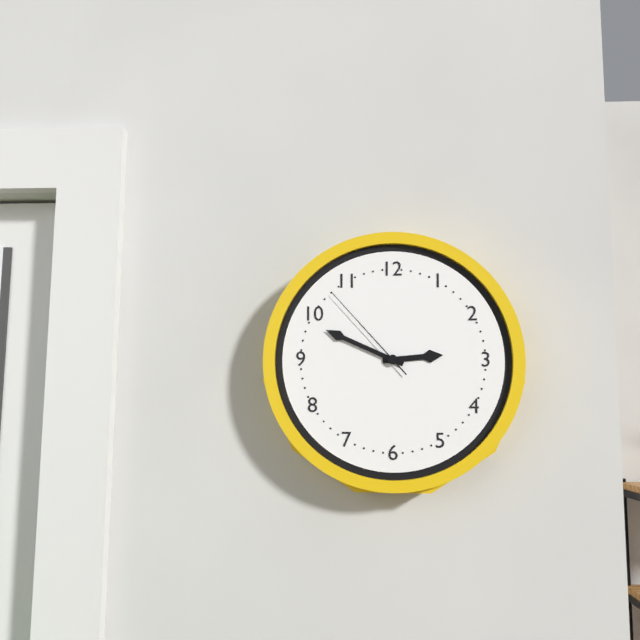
2:49:53
